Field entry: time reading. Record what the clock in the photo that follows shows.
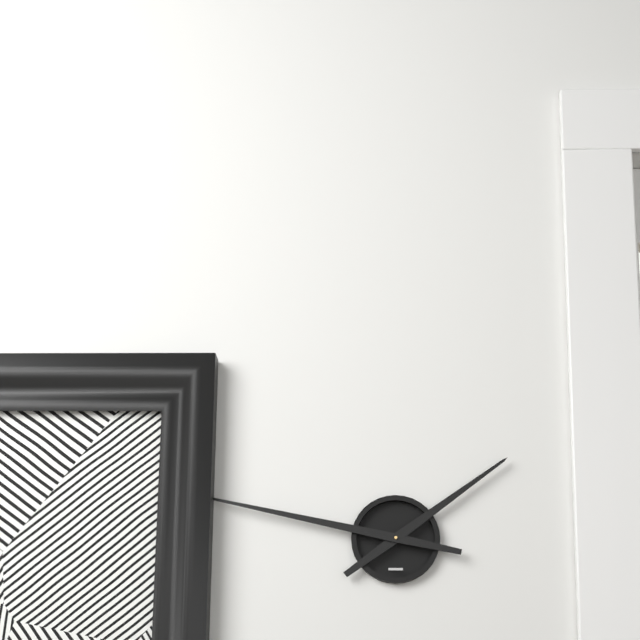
1:47
